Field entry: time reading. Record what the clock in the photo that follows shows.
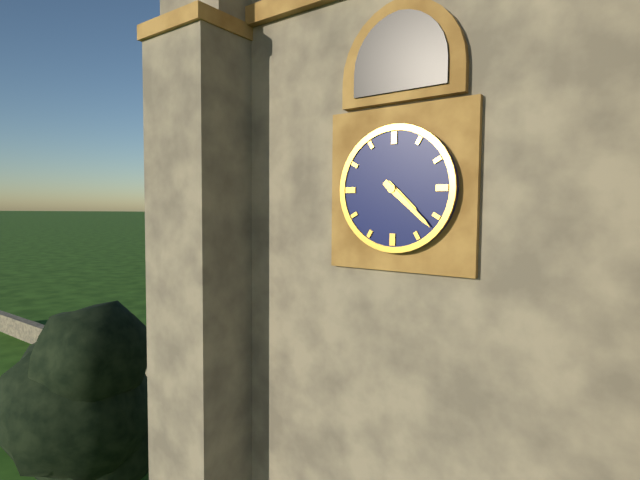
4:22
